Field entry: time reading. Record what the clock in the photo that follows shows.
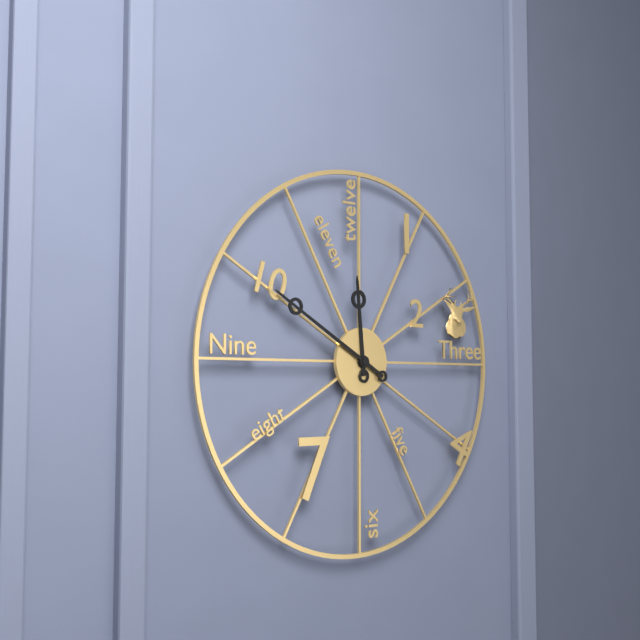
11:50
